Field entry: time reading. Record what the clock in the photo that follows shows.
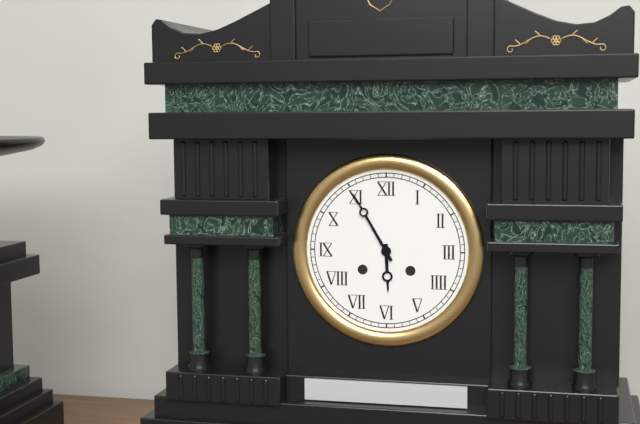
5:55
